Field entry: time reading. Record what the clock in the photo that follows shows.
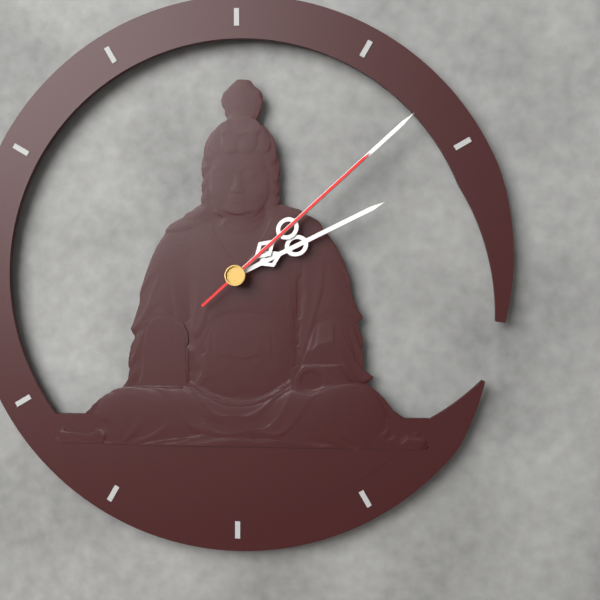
2:08:08
